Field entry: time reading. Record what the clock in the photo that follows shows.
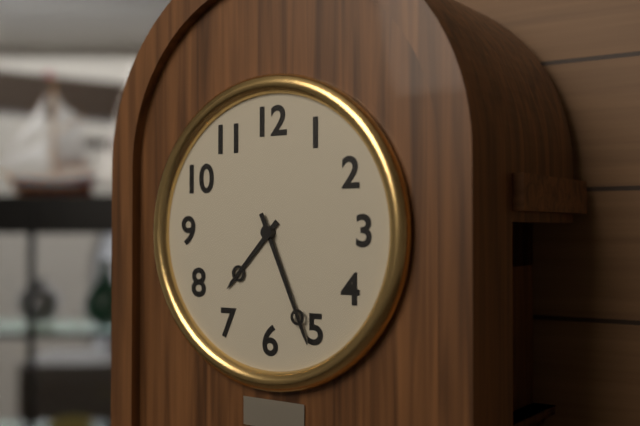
7:26
